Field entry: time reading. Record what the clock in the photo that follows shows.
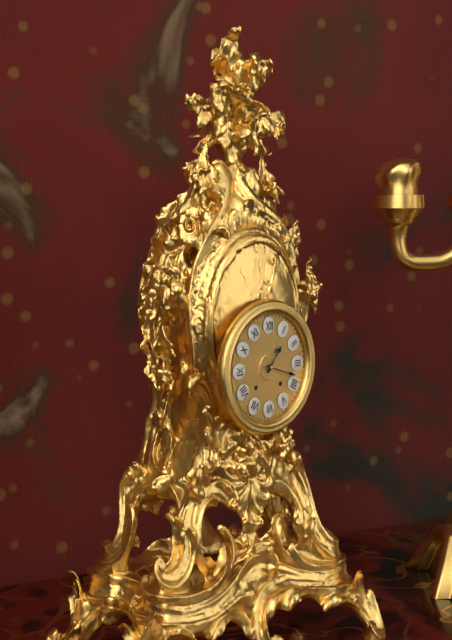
1:18
